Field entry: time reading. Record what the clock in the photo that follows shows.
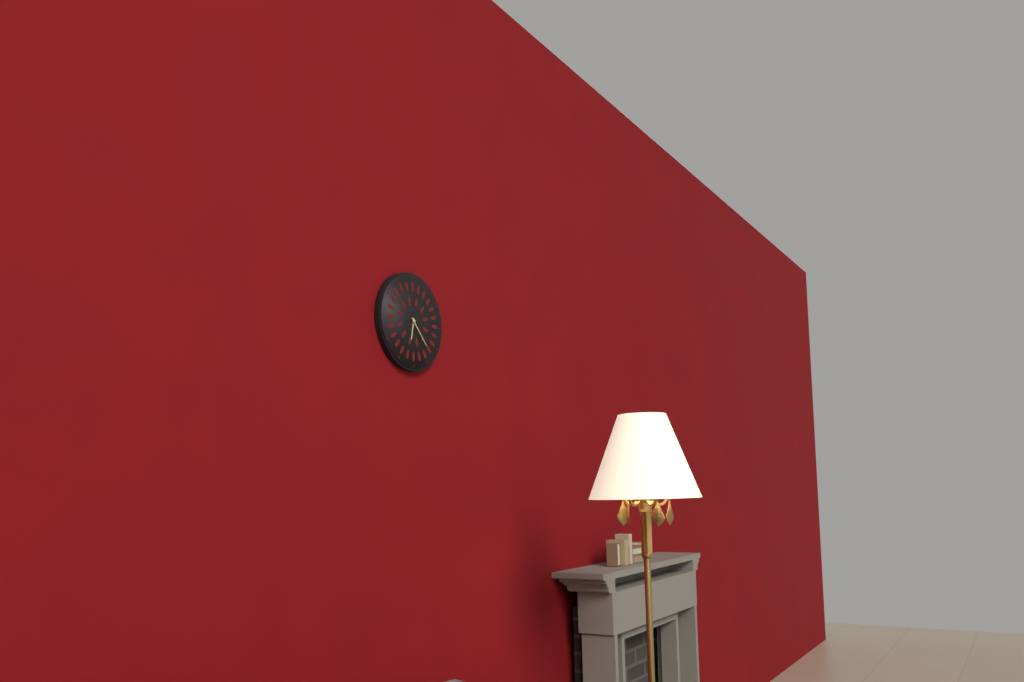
6:23
